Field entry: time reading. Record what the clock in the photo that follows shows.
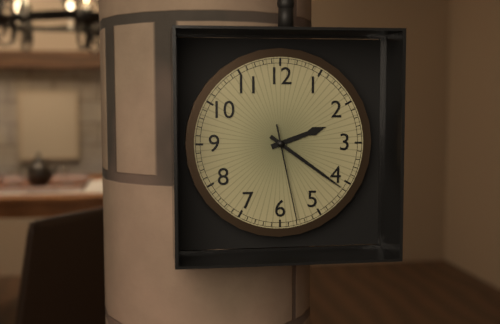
2:21:28
